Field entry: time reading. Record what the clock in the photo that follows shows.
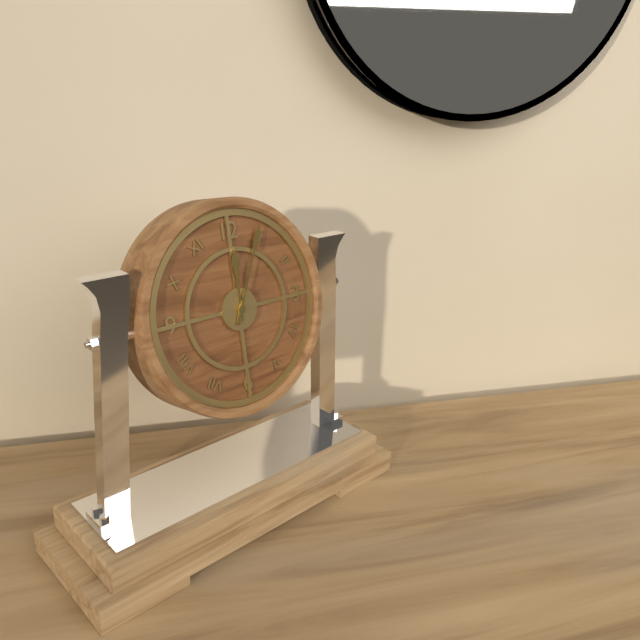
12:04
